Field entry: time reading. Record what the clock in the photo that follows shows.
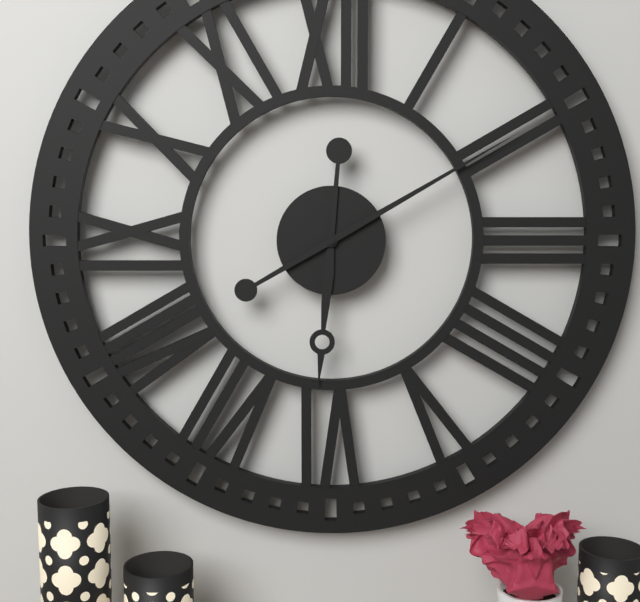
6:10
